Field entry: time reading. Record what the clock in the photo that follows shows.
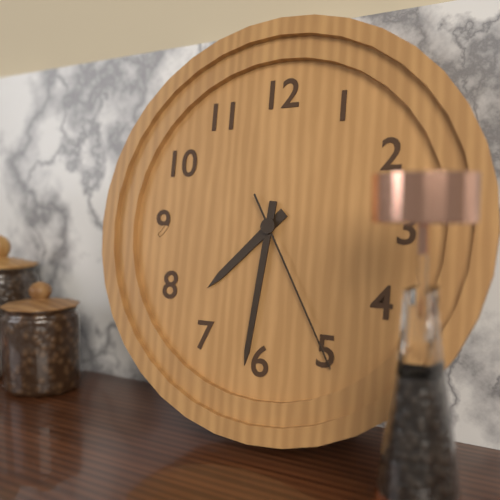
7:31:25
